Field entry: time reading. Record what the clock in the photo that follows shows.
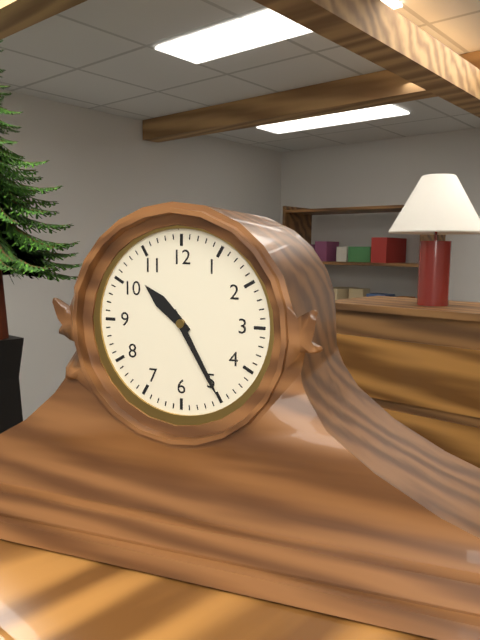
10:25
